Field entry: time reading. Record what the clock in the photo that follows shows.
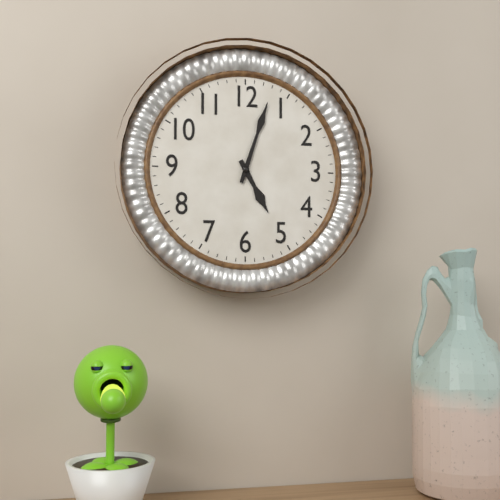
5:03
